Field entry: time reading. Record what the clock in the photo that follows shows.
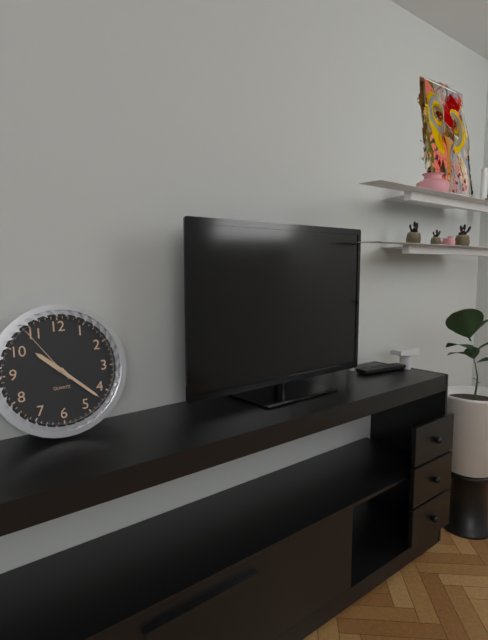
10:22:54
